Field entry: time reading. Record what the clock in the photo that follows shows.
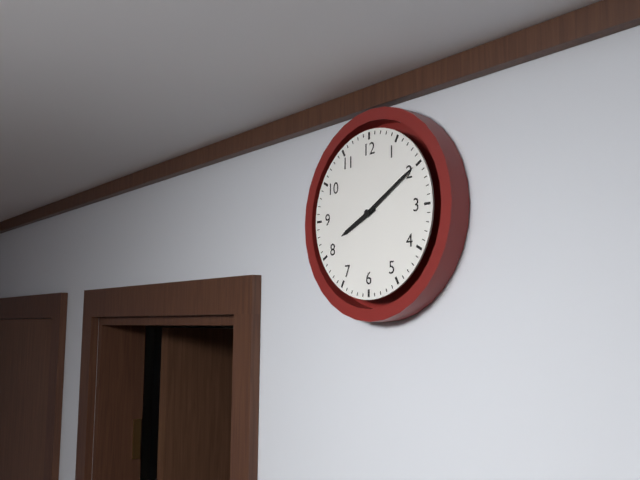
8:10
